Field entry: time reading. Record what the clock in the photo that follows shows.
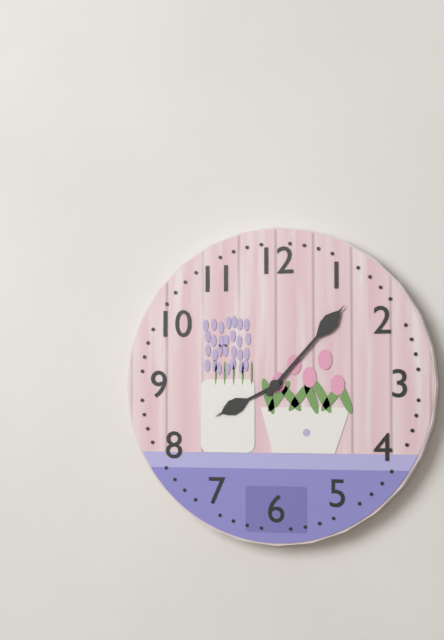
8:07
